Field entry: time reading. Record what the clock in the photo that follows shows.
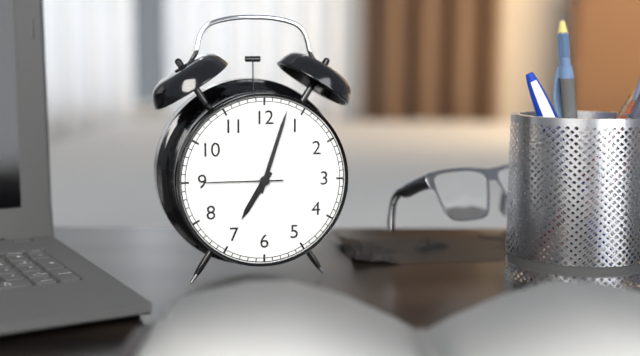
7:03:45
